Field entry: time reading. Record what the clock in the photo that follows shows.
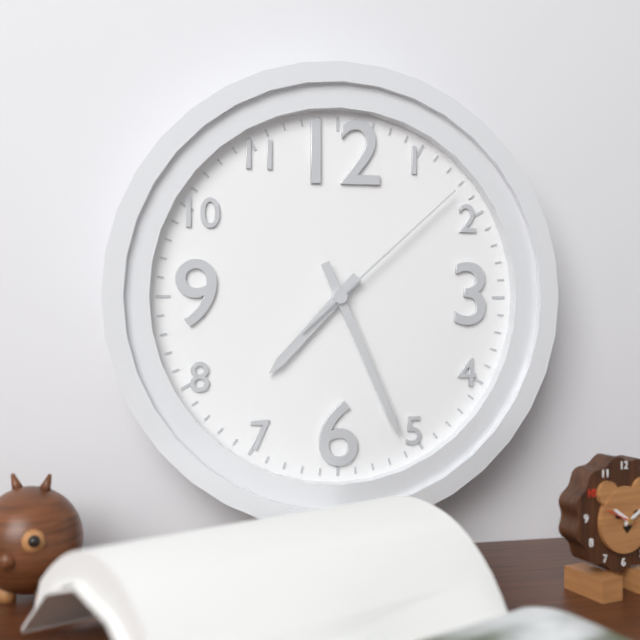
7:26:08
